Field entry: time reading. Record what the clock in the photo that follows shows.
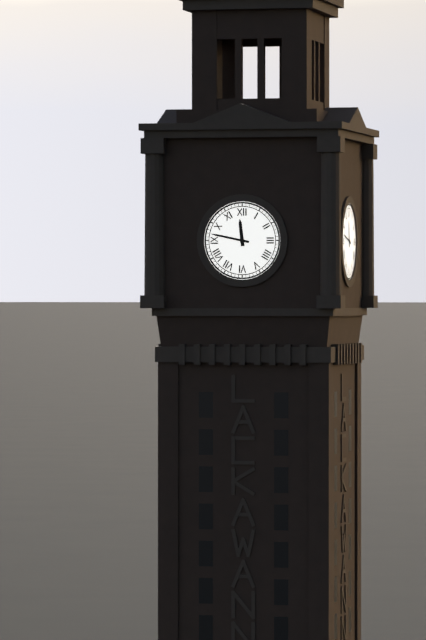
11:47
